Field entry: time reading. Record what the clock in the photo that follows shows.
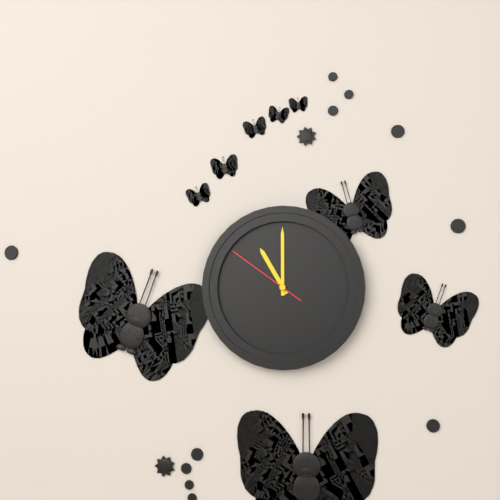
11:00:51
